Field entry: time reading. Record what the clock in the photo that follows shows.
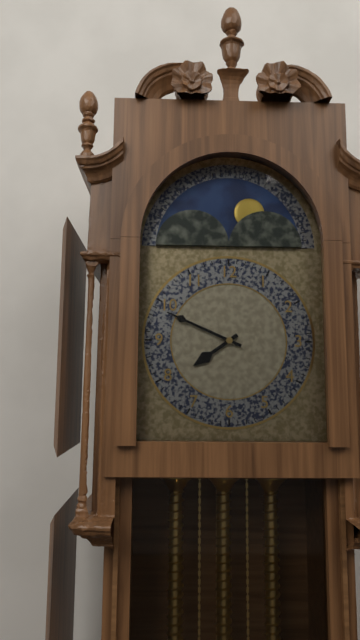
7:49
